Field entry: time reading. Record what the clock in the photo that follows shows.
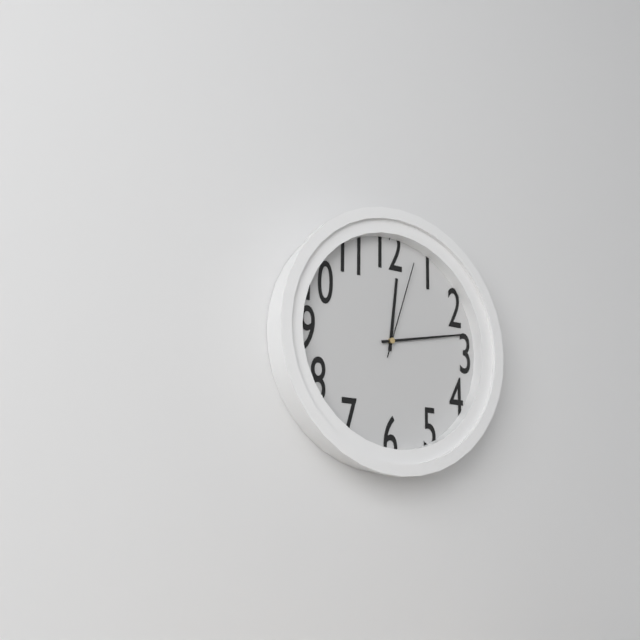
12:13:03
